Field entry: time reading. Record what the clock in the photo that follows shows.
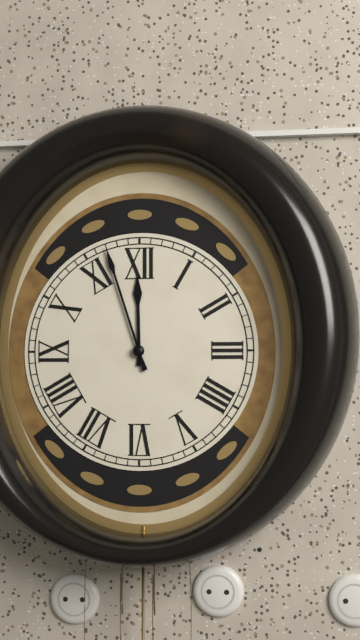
11:57
